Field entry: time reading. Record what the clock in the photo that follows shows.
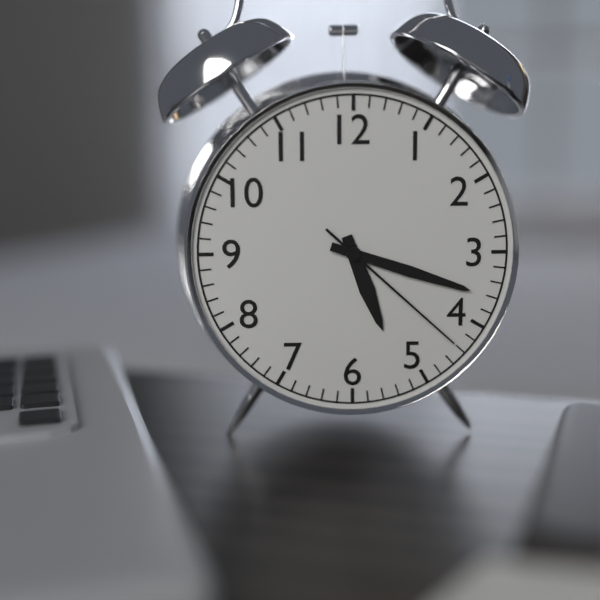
5:18:22
